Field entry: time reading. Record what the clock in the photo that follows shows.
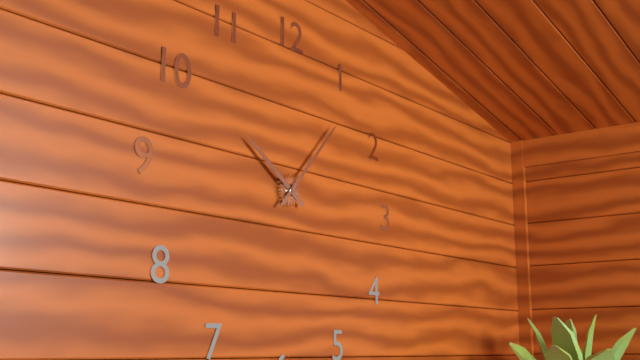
10:07
